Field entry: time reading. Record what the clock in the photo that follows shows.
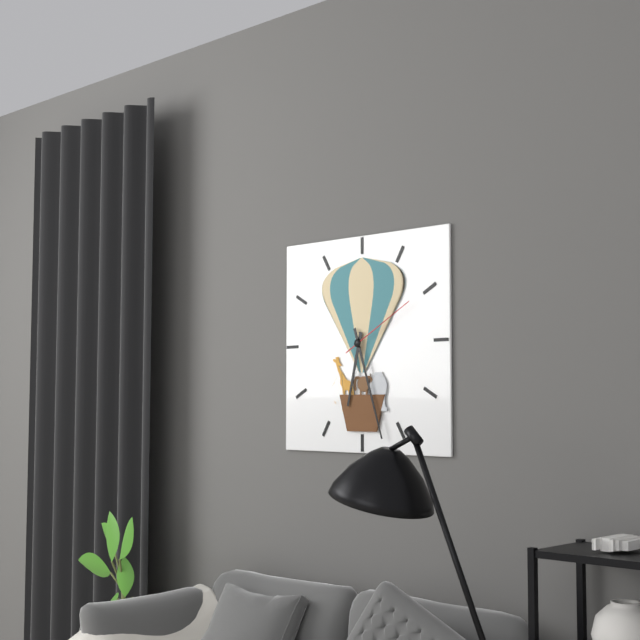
6:27:10
